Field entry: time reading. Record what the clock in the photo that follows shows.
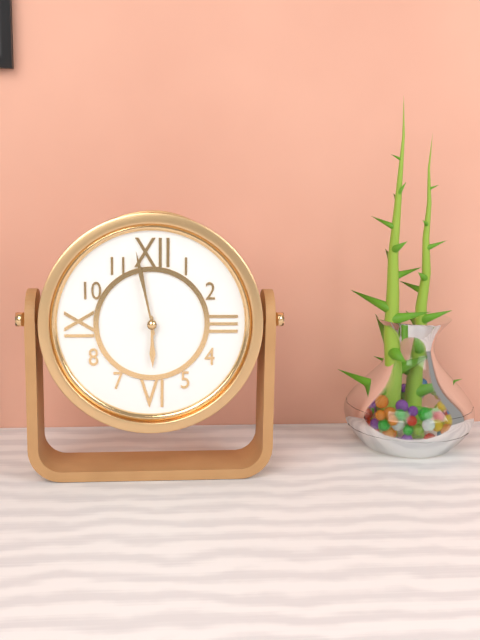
5:58
